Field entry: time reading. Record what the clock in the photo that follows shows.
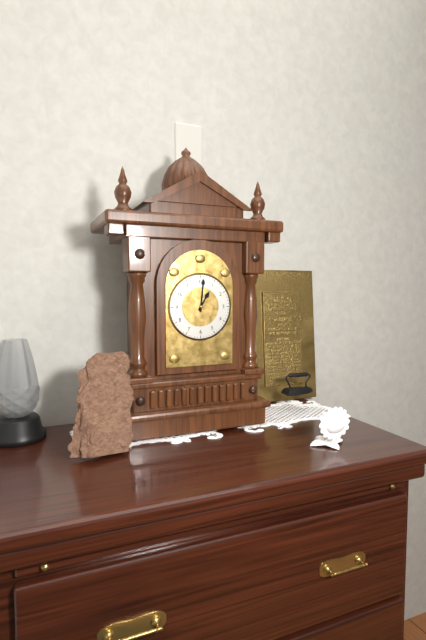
1:01
